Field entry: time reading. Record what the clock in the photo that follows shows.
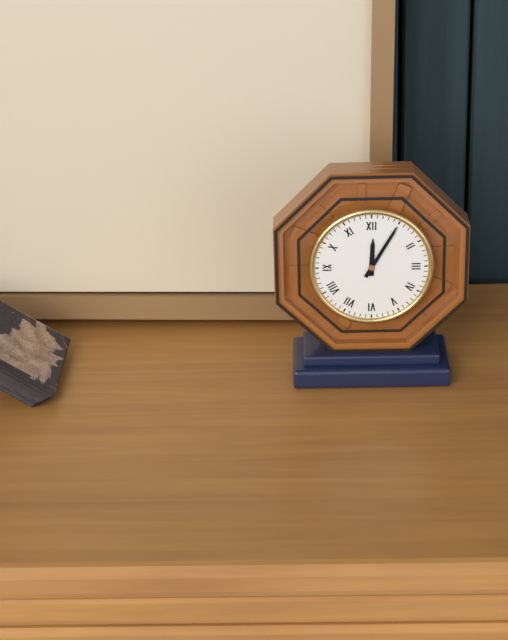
12:05
